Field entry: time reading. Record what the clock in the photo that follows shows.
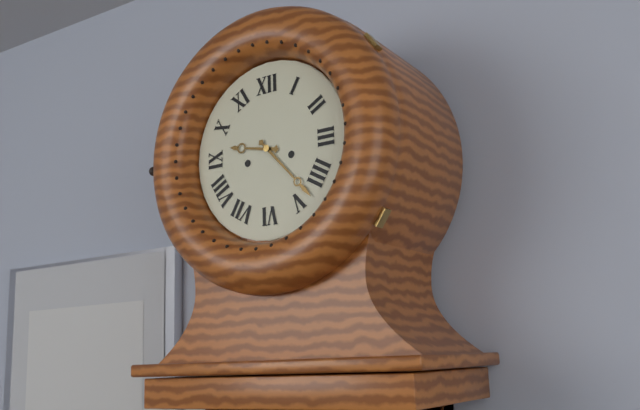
9:23
